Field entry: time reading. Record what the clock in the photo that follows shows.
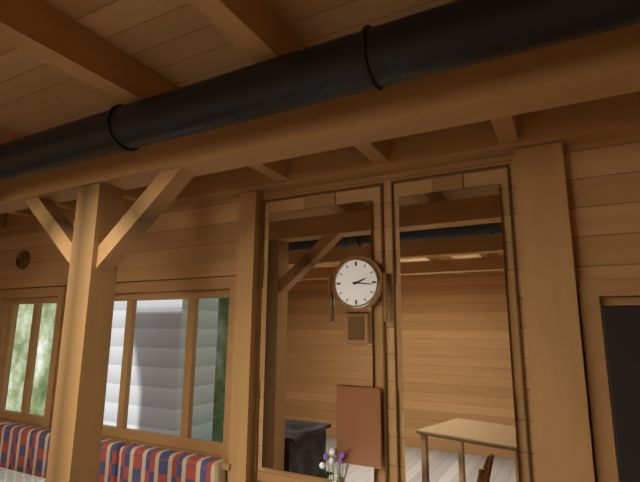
2:16
